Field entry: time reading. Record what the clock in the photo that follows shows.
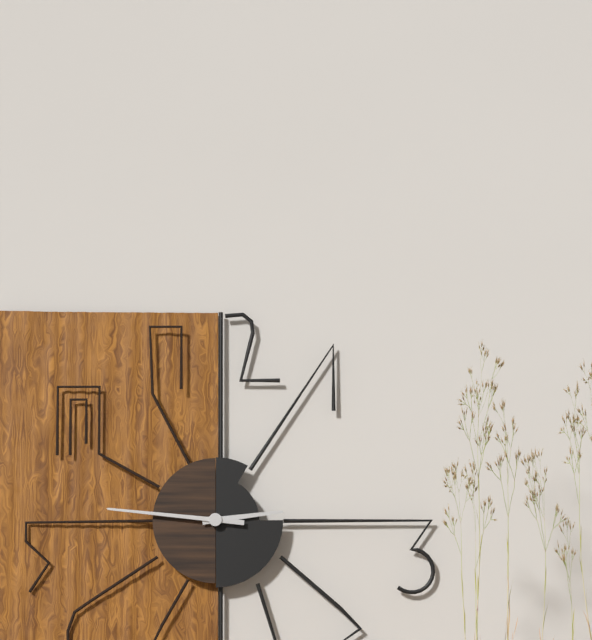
2:46
